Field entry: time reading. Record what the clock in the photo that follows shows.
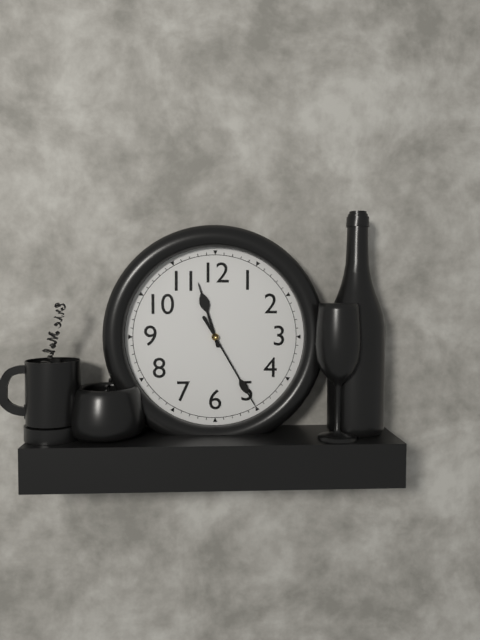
11:25
